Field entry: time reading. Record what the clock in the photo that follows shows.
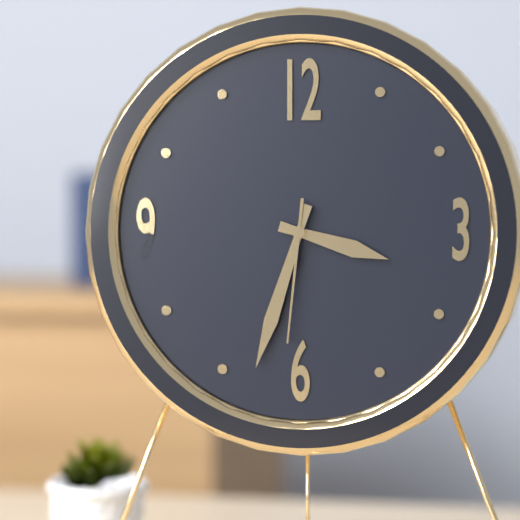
3:33:31
